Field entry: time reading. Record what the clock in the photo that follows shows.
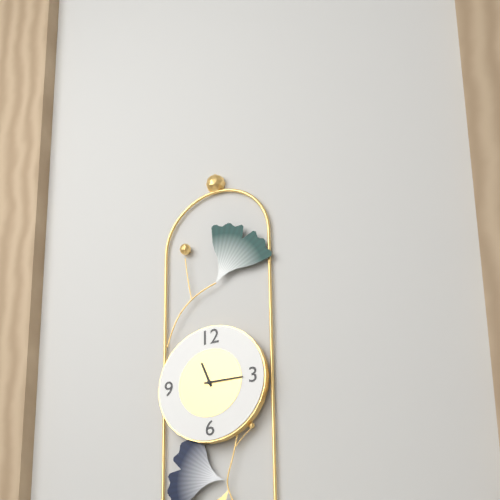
11:15
